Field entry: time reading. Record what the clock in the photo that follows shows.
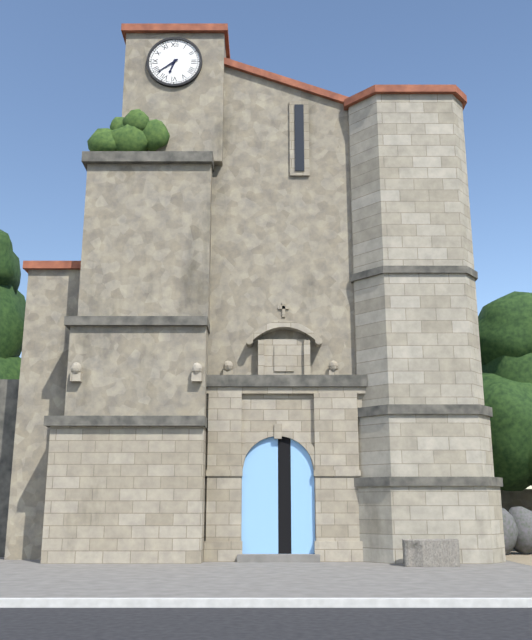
6:39
